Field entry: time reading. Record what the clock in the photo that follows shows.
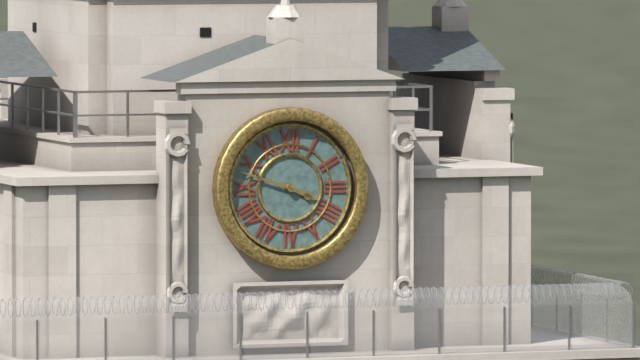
3:48
